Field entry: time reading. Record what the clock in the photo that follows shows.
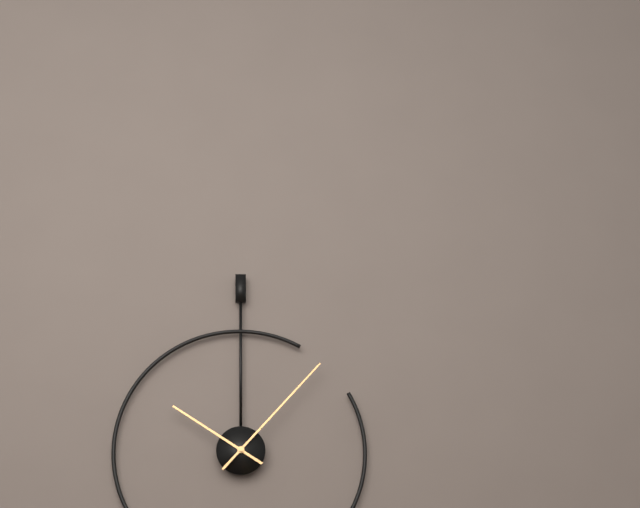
10:07
